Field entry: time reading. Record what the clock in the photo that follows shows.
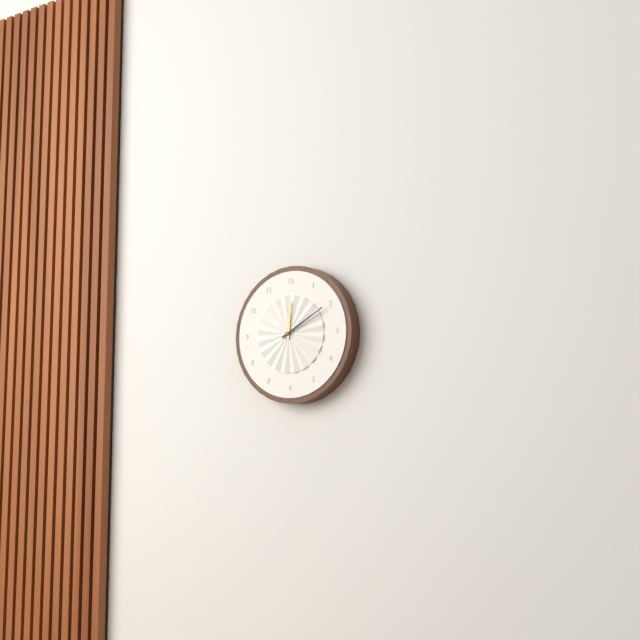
12:10
